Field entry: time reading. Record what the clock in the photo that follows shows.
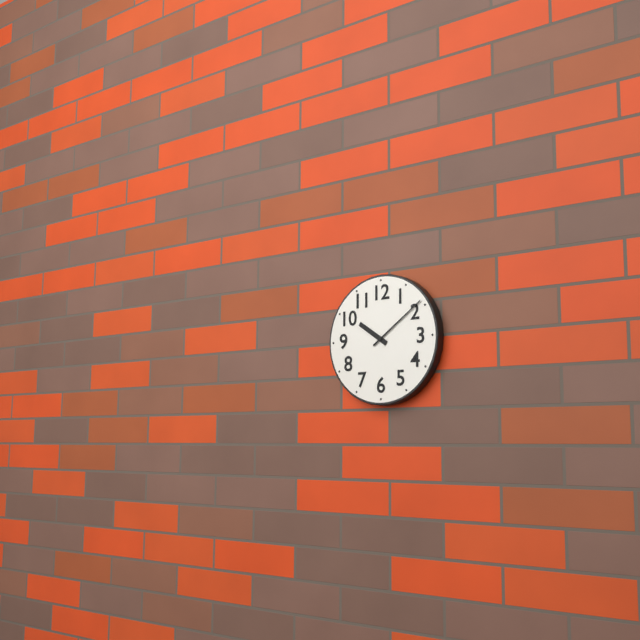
10:09
